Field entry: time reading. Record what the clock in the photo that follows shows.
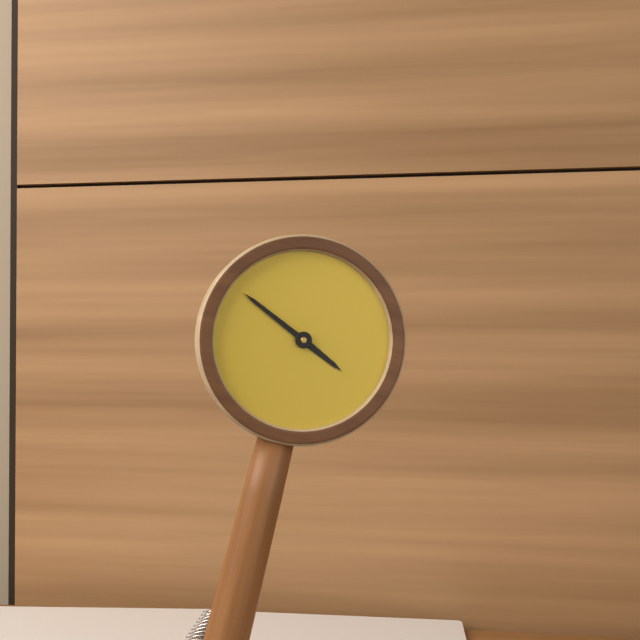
3:49
